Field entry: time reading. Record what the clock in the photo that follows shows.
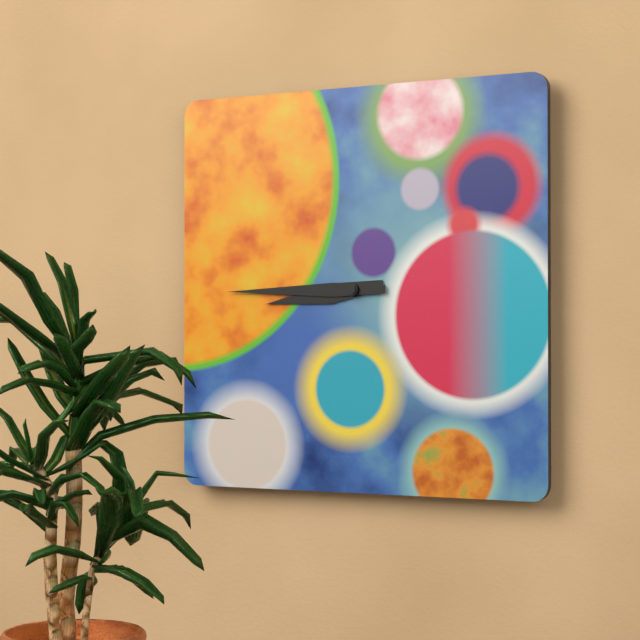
8:45
